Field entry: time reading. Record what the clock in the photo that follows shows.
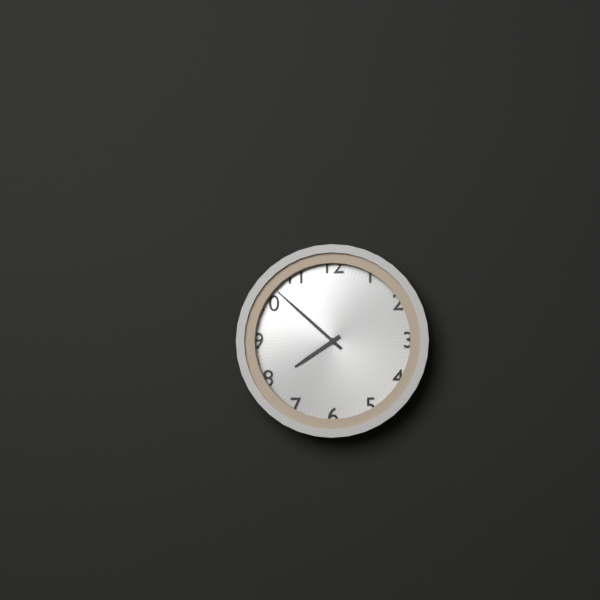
7:52
